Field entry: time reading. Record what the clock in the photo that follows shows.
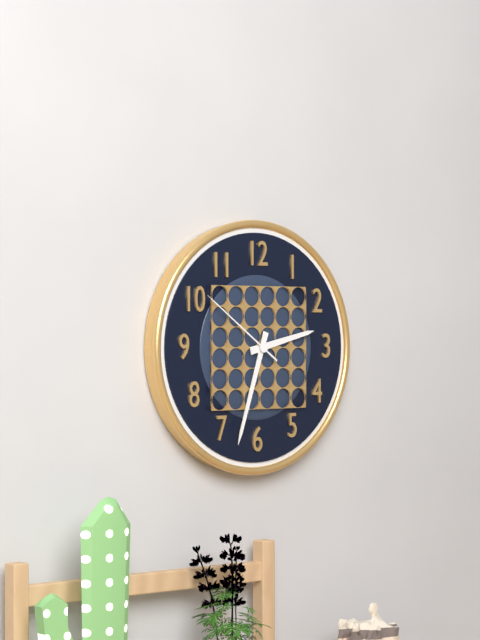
2:33:51
